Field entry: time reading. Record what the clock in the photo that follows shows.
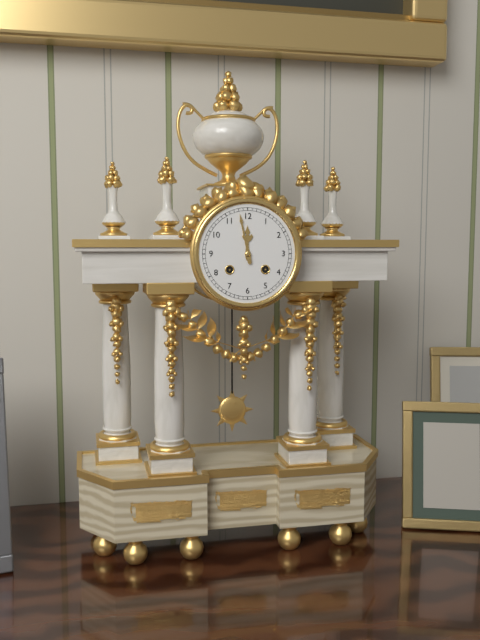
11:58
